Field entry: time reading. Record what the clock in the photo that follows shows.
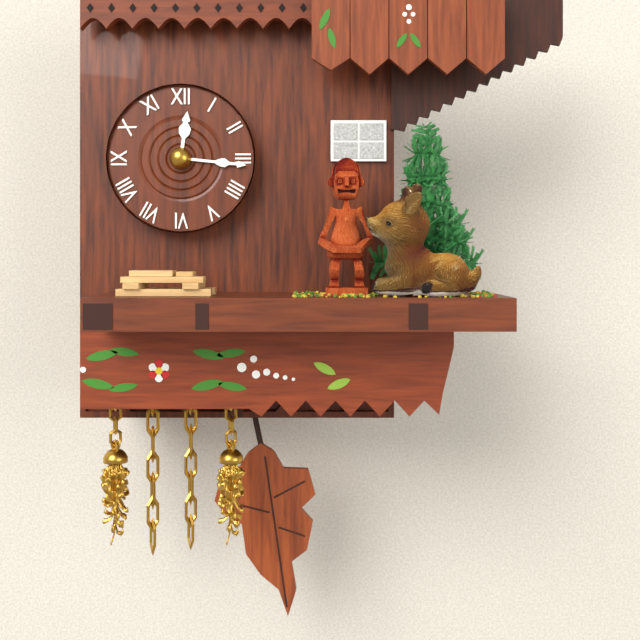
12:16
